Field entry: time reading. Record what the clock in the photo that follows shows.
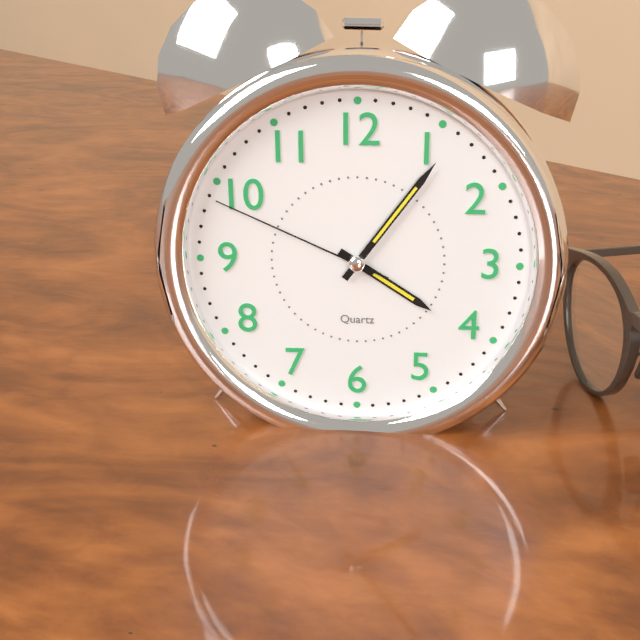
4:06:49
